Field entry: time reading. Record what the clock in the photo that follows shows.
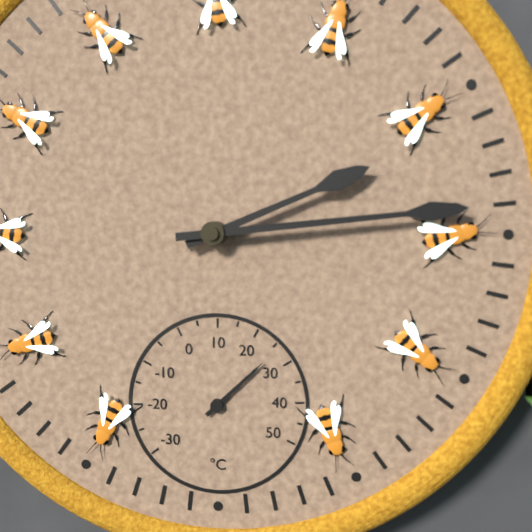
2:14
